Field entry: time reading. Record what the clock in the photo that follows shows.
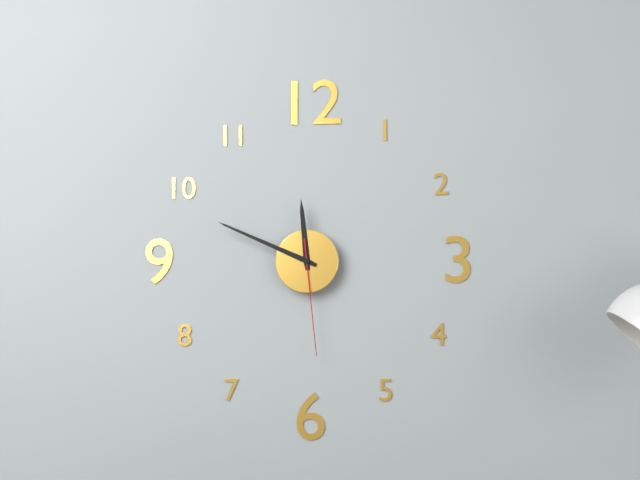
11:49:29
